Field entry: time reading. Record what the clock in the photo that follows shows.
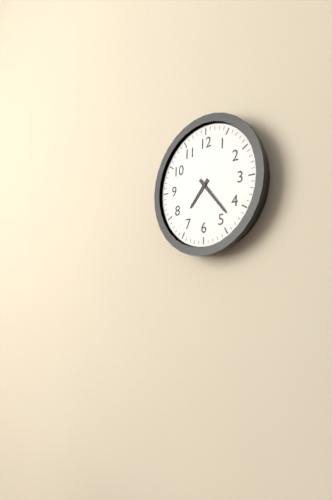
7:23
